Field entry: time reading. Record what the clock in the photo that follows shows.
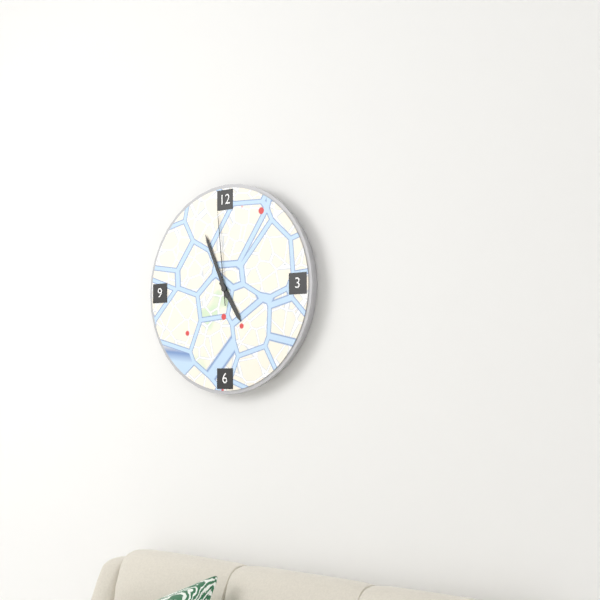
4:56:59
